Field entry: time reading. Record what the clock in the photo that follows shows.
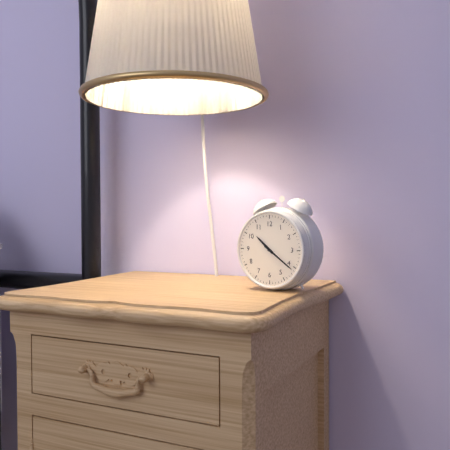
10:21
